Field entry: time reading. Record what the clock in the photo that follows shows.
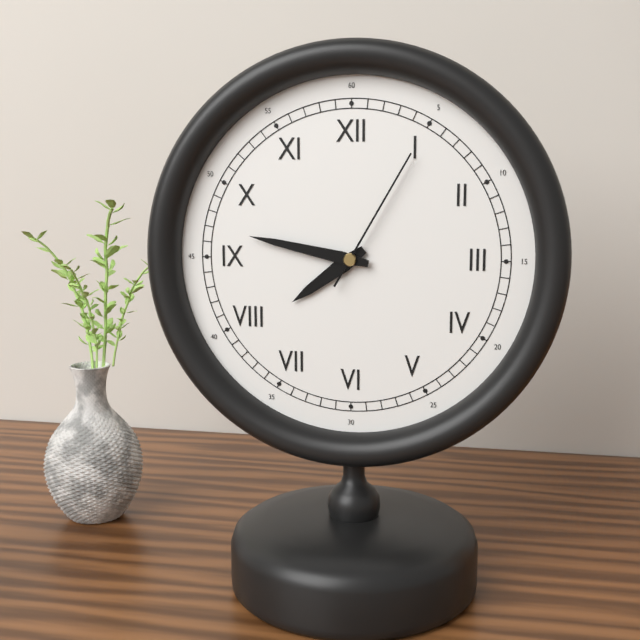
7:47:05
